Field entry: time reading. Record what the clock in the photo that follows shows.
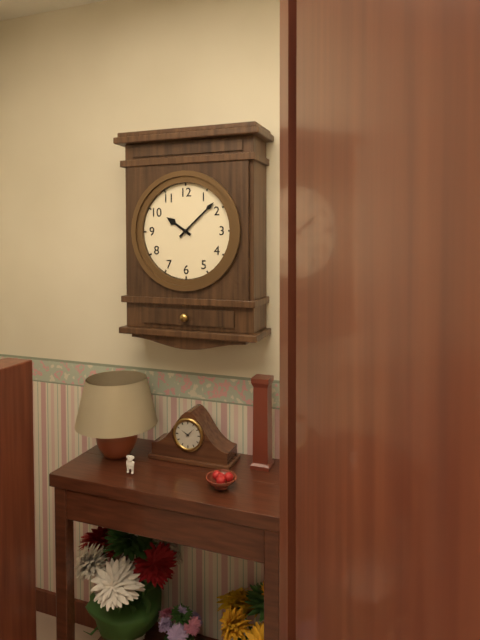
10:08
